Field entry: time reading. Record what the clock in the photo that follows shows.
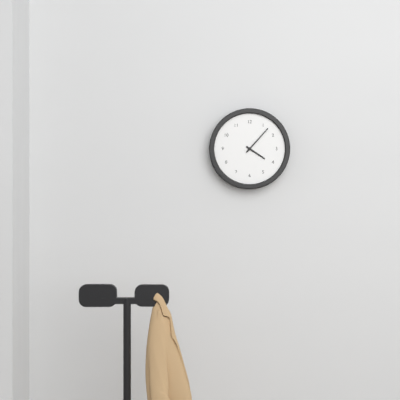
4:07
